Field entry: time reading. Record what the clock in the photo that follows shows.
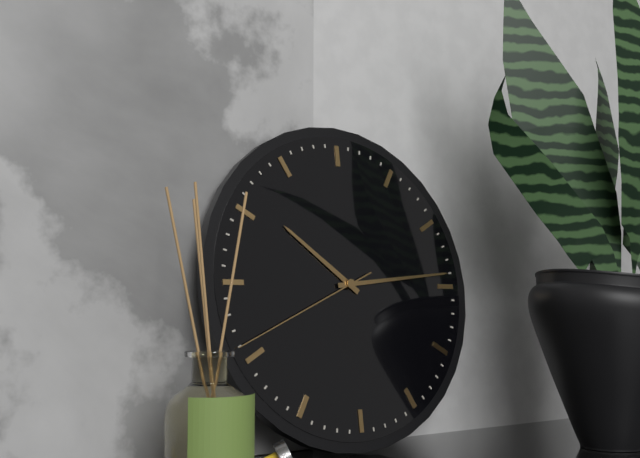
10:14:41
